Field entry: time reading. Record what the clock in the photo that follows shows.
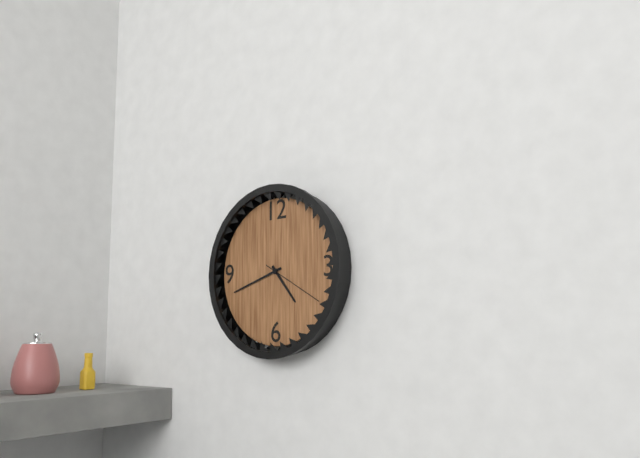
4:42:20
